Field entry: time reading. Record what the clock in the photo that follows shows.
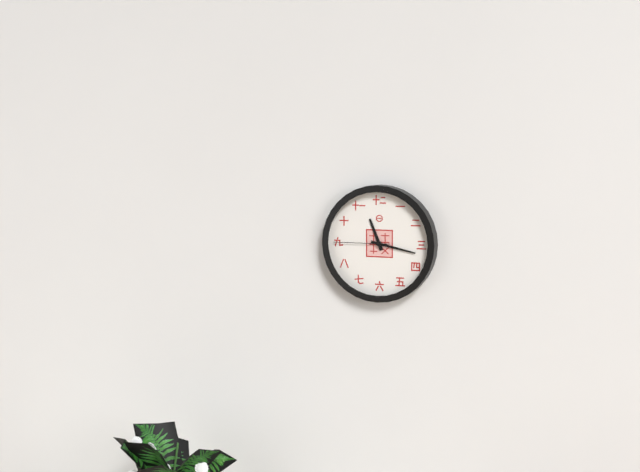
11:17:45
